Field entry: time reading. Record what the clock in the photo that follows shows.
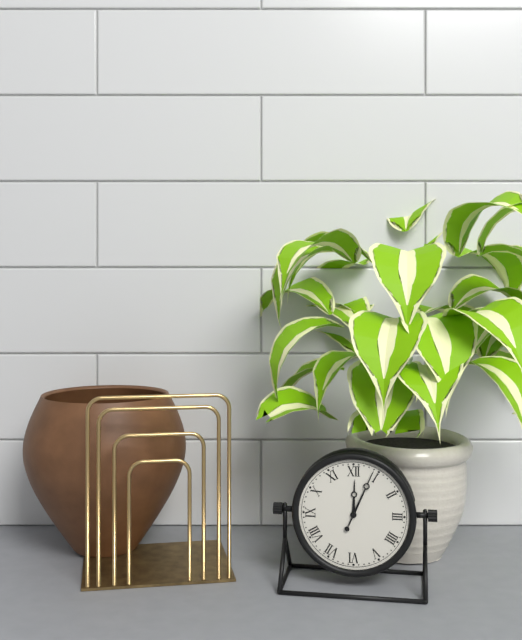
12:04
